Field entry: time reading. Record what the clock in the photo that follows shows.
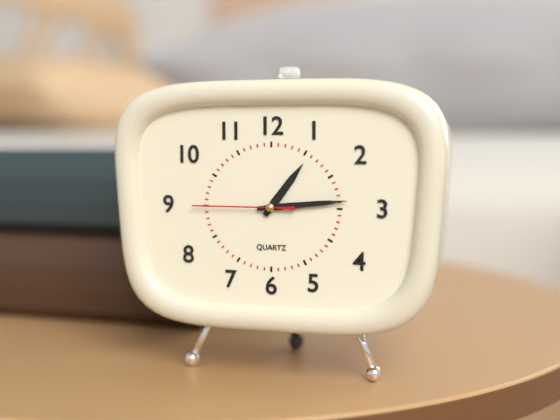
1:14:45
